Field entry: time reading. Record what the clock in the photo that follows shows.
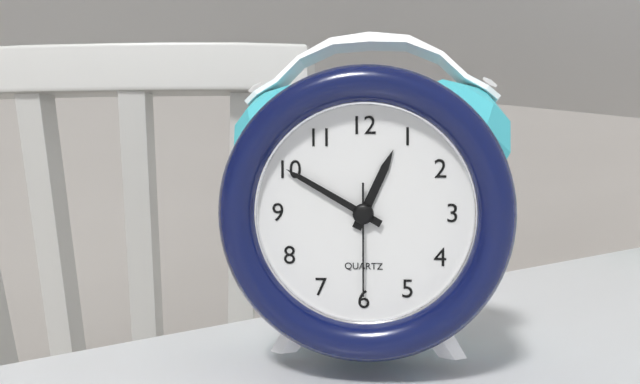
12:50:30
